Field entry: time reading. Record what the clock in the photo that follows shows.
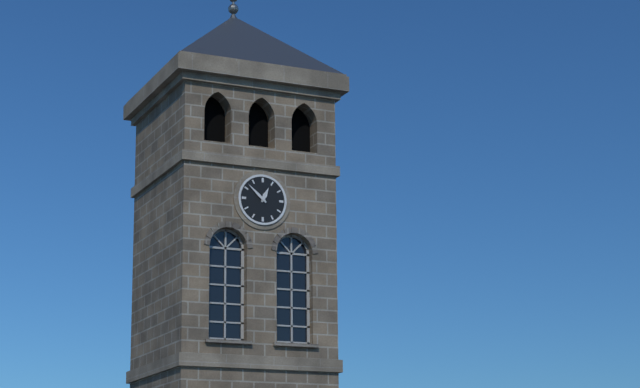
12:52
